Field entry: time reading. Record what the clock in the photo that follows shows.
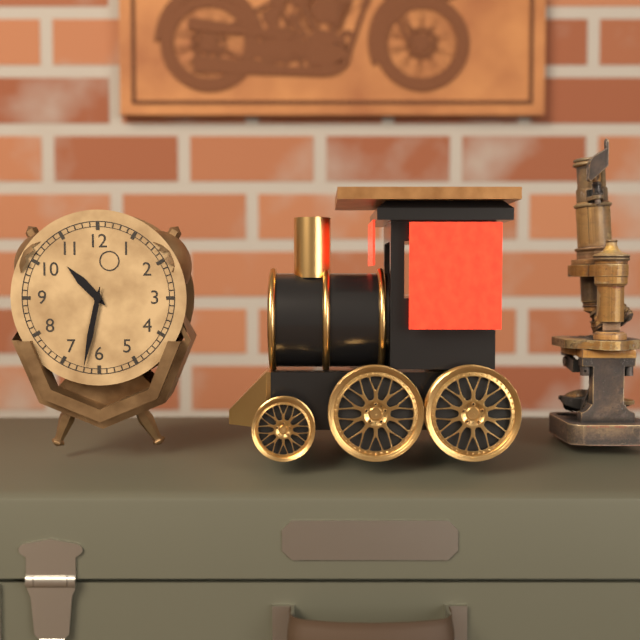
10:32
